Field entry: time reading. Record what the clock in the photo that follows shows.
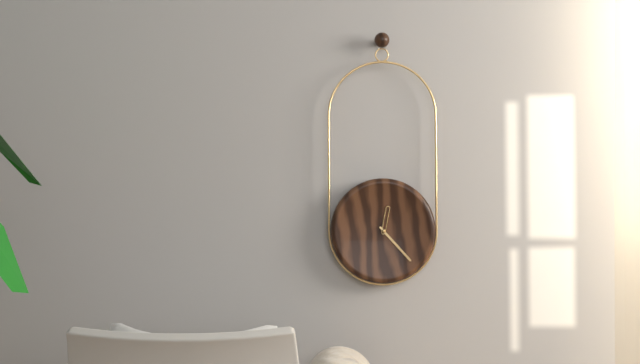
12:23
